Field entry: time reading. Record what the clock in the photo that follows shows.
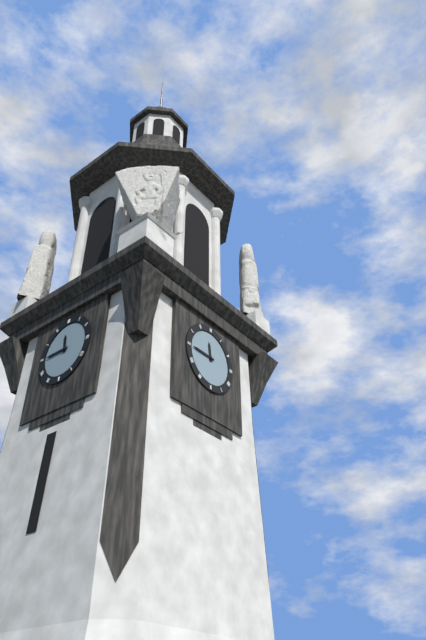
11:45
